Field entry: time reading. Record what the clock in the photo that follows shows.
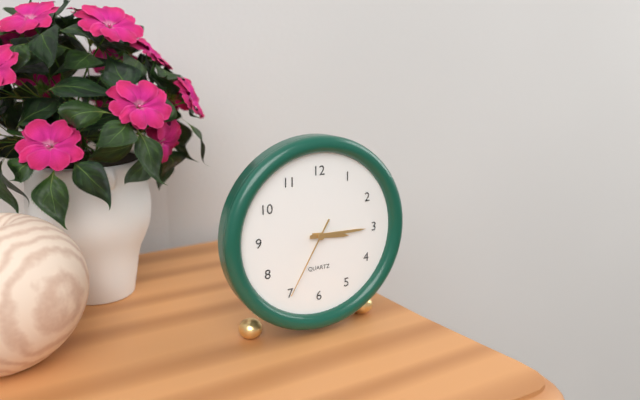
3:15:35
